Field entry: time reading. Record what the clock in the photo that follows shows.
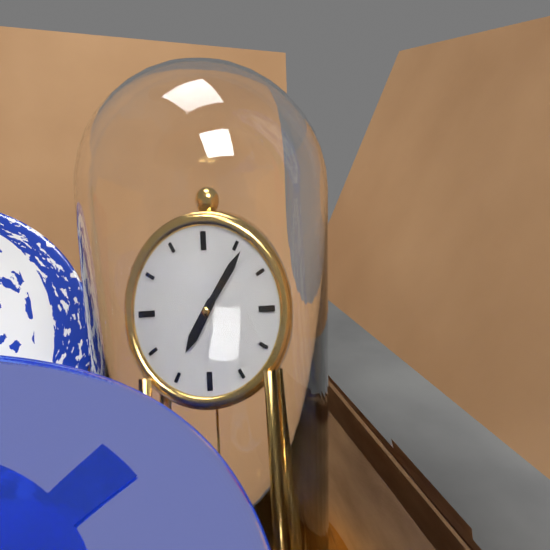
7:06
